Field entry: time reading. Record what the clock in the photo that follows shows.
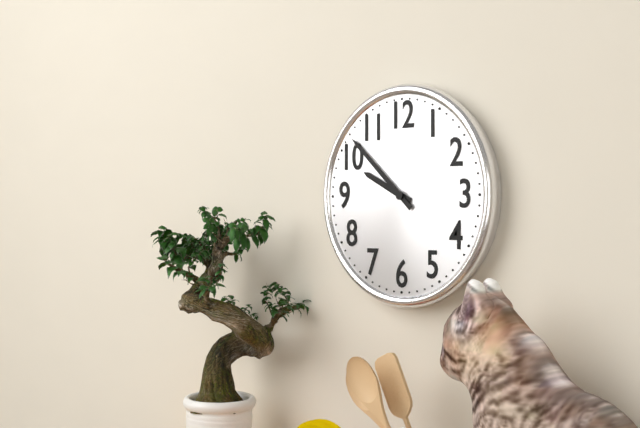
9:52
